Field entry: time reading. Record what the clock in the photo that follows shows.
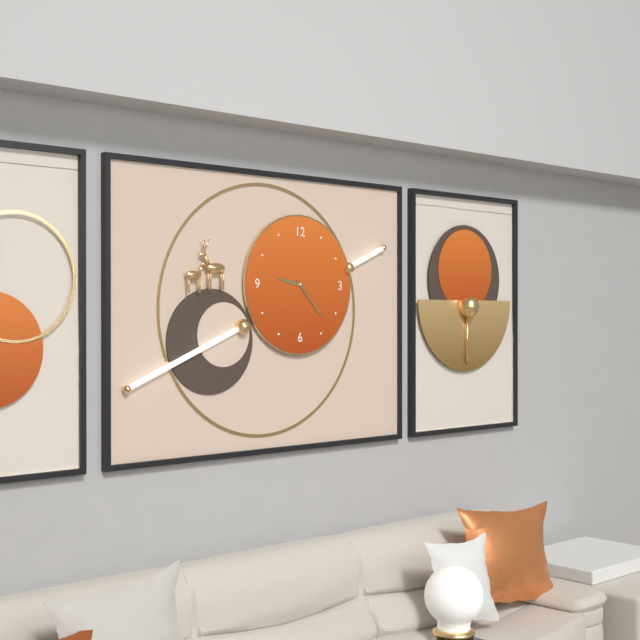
9:23
